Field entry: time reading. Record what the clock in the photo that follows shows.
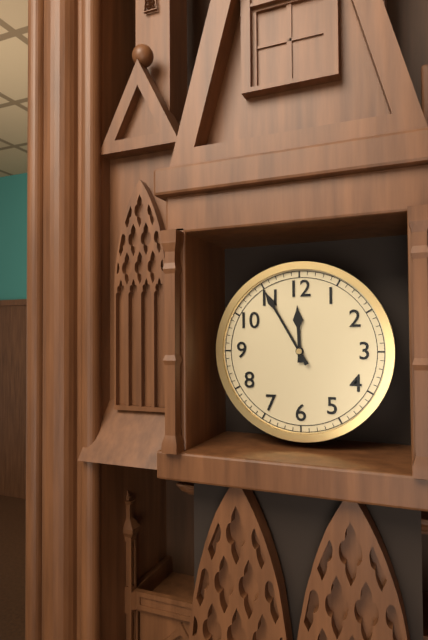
11:55
